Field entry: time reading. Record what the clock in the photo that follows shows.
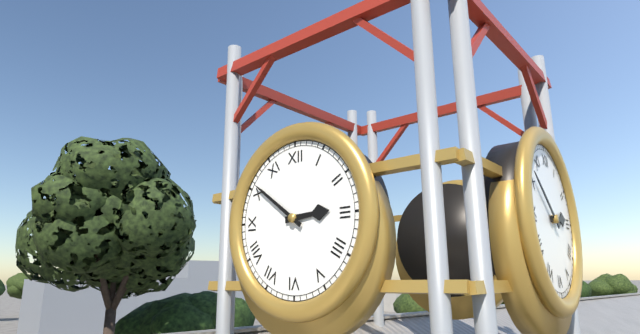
2:51
